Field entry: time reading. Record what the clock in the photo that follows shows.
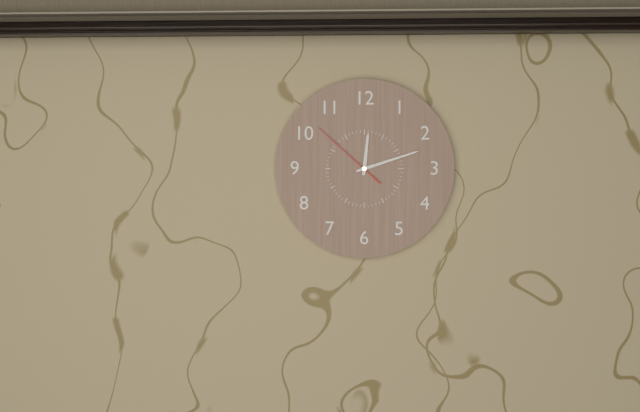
12:12:52
